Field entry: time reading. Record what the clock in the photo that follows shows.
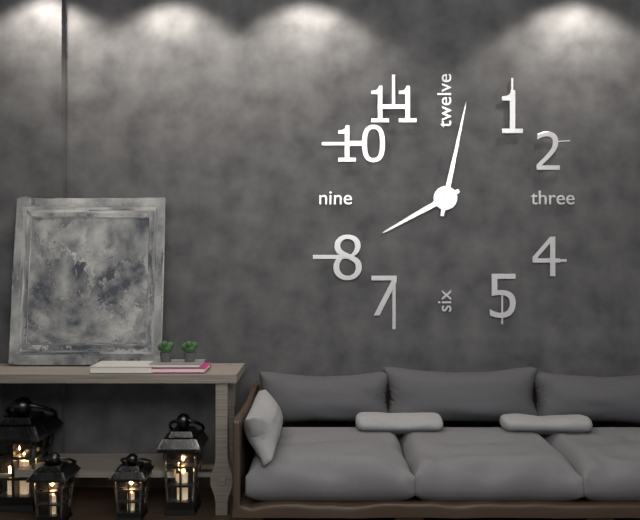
8:02
